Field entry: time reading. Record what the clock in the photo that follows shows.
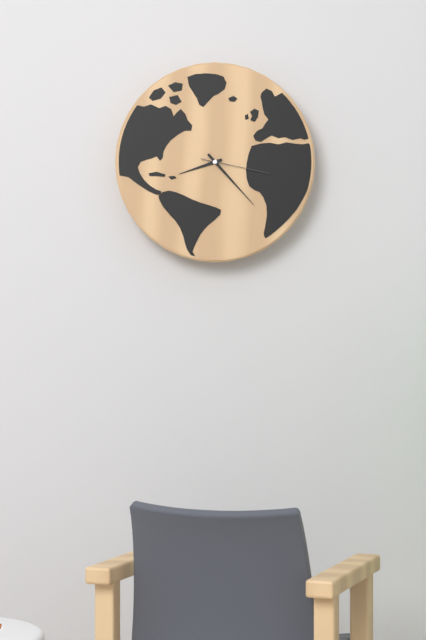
8:23:17
